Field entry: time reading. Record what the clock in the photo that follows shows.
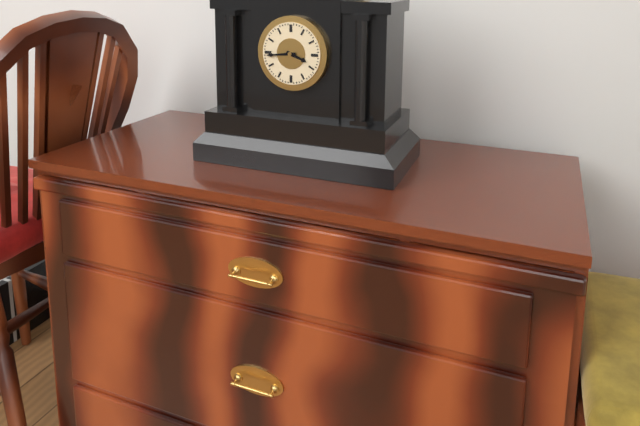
3:44
